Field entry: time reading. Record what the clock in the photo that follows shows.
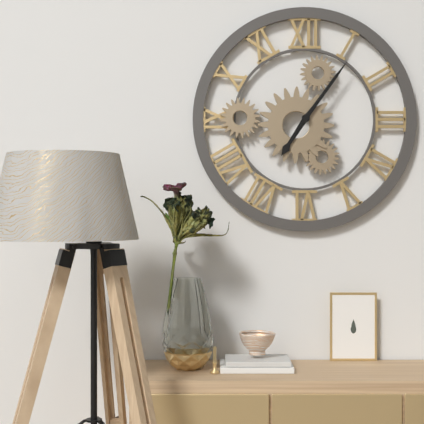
7:06
